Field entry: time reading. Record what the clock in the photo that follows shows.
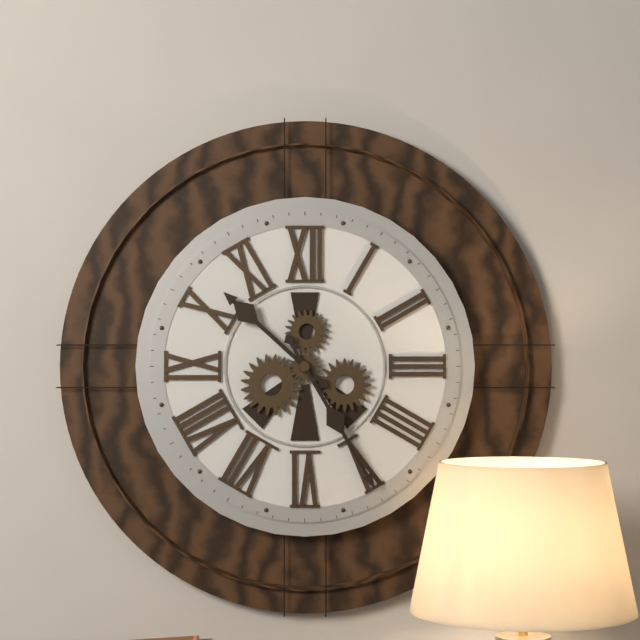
10:25
